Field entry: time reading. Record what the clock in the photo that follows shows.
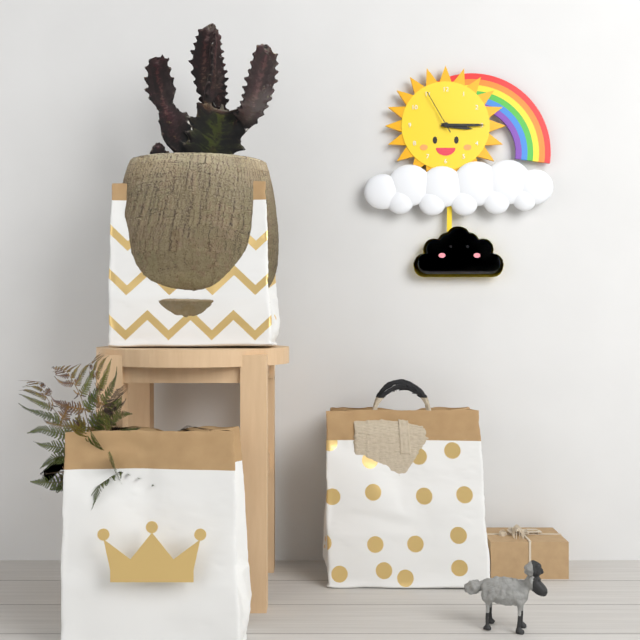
3:15
